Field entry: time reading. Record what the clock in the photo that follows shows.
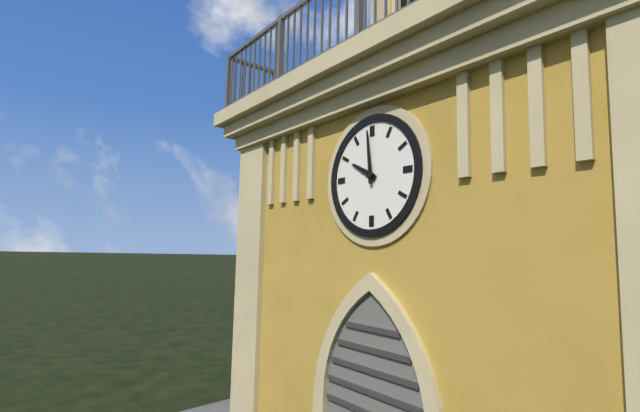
9:59
